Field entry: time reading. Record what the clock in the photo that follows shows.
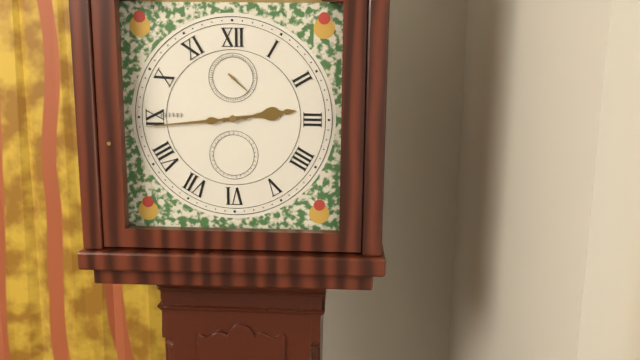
2:44
